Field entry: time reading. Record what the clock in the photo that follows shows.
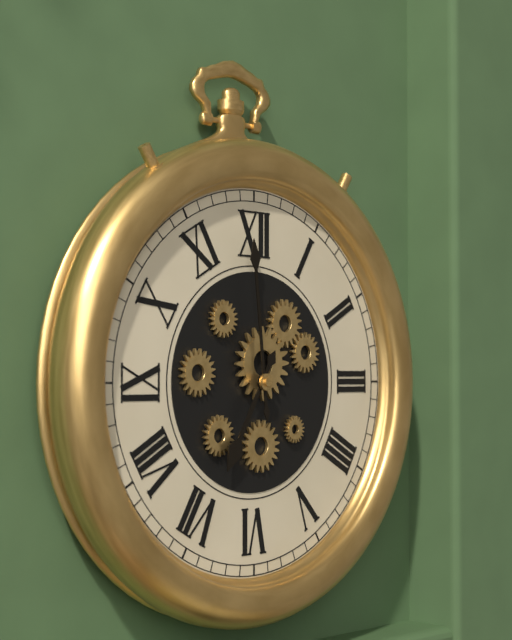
6:59
